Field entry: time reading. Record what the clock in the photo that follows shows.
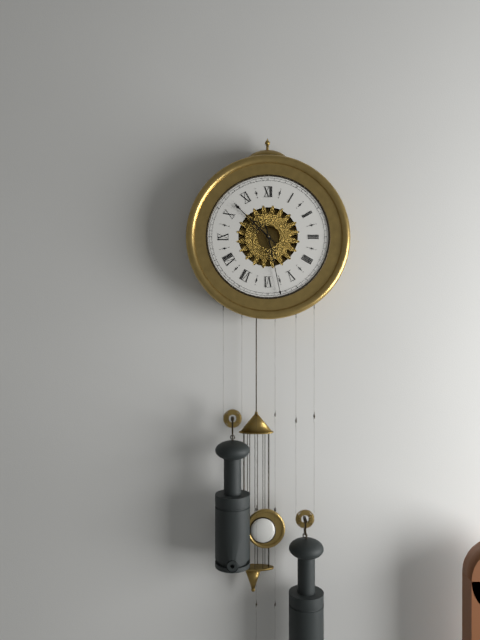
10:28
